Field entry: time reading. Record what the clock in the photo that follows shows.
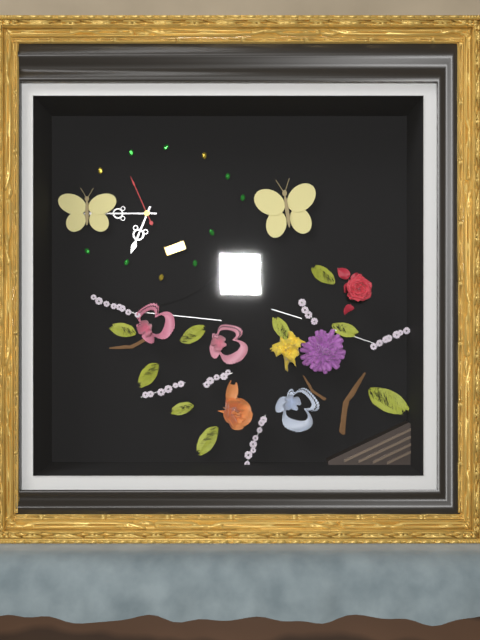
6:45:56
